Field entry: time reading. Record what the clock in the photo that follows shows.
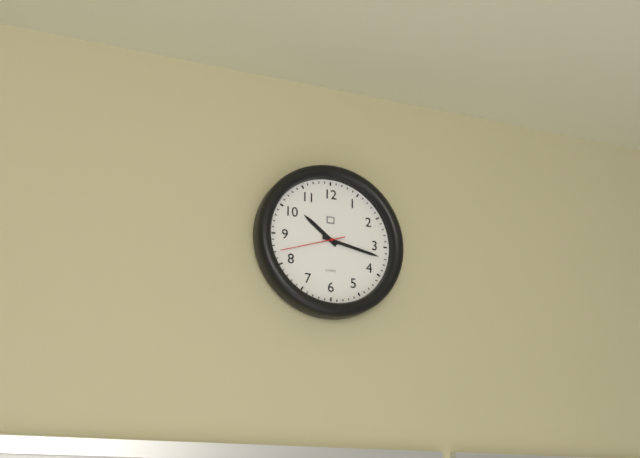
10:17:42
